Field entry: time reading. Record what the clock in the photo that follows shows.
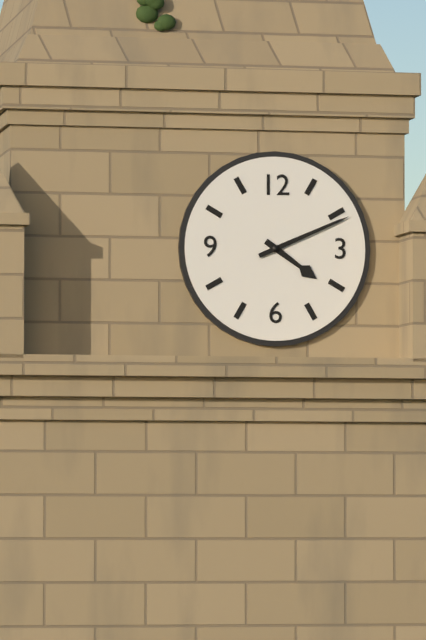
4:11
